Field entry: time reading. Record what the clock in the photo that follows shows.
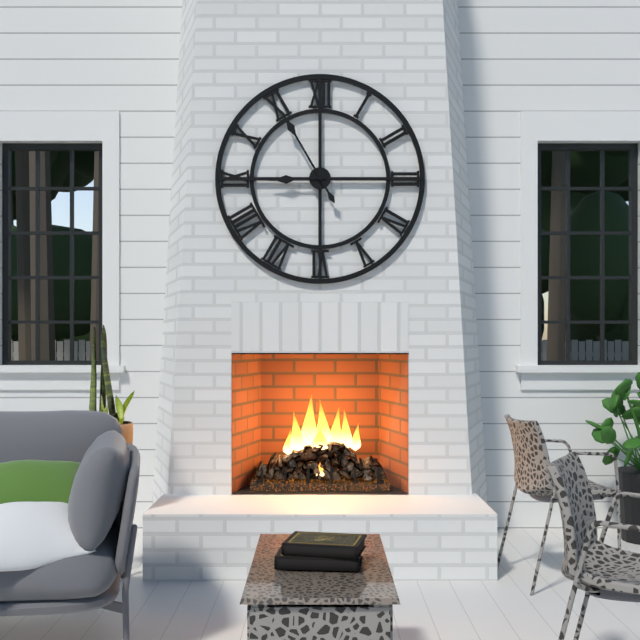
8:55
